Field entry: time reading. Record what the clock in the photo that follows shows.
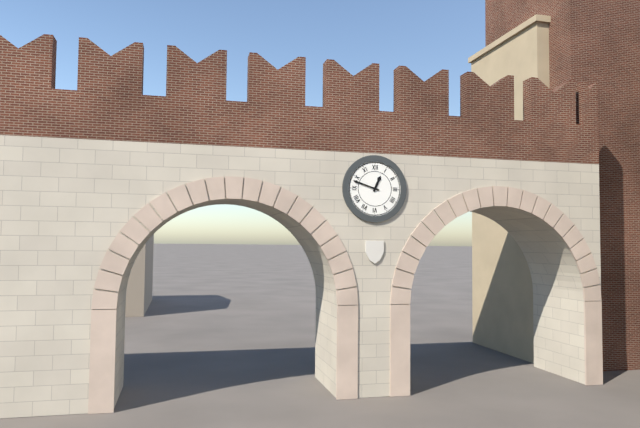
12:48
